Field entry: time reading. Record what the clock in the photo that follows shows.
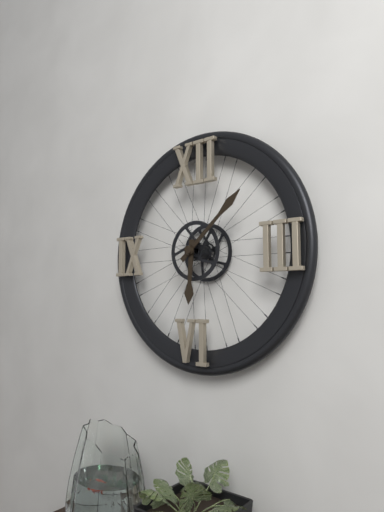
6:08
